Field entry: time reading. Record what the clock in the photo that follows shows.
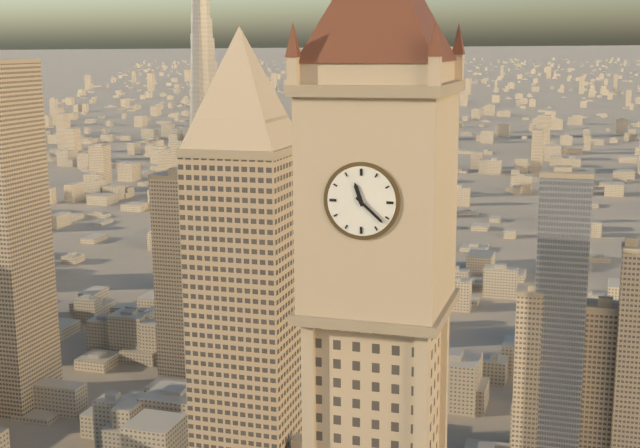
11:22
